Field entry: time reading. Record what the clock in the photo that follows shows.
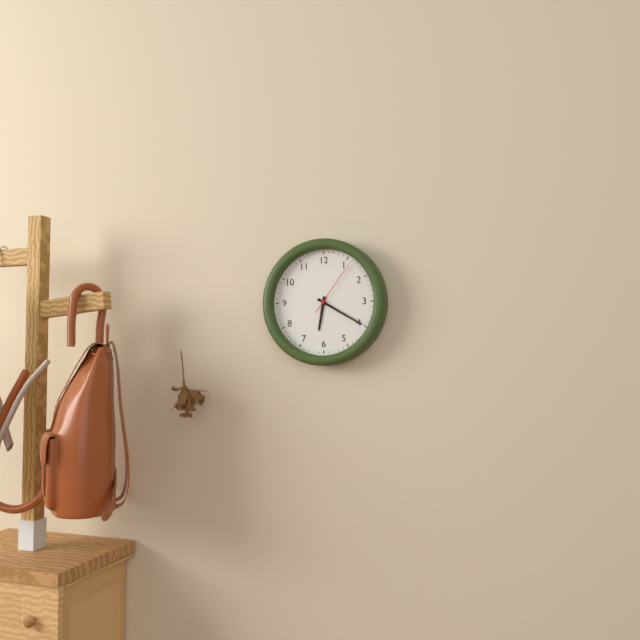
6:20:06
